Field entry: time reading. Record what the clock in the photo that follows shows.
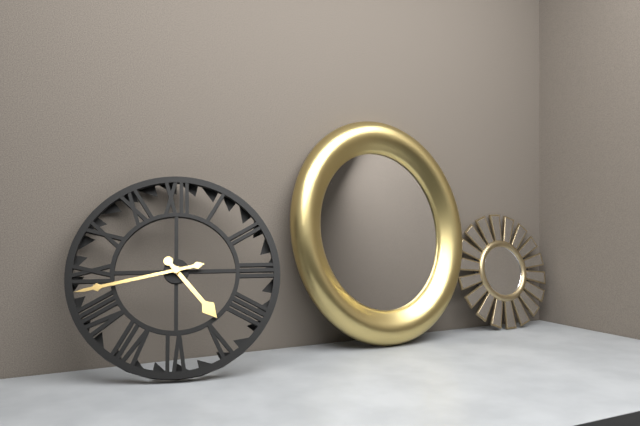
4:43
